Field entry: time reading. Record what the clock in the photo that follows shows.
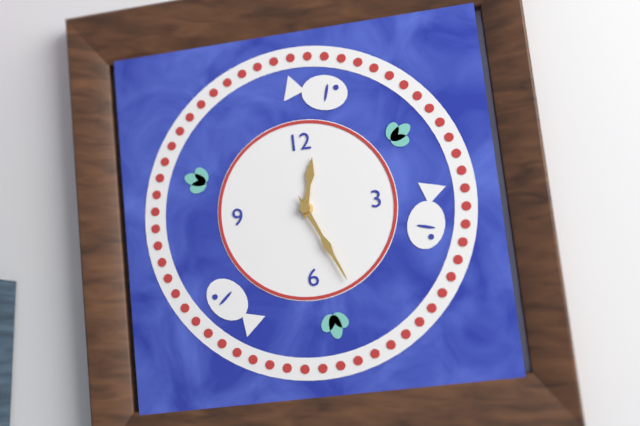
12:26
